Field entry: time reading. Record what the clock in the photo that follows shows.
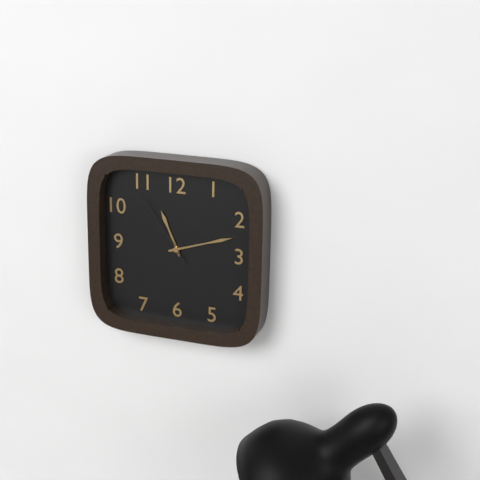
11:12:54
